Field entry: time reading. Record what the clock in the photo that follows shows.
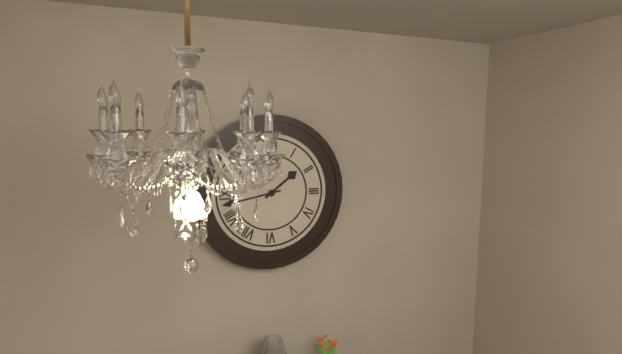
1:43
